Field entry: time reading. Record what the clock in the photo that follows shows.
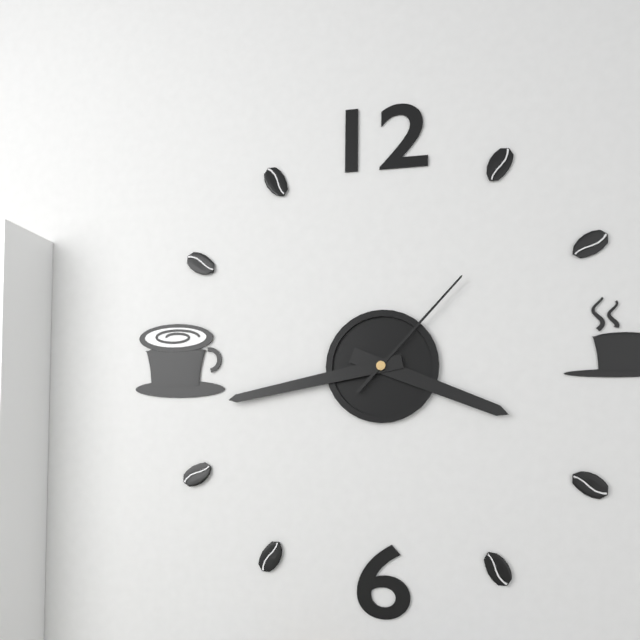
3:43:07
